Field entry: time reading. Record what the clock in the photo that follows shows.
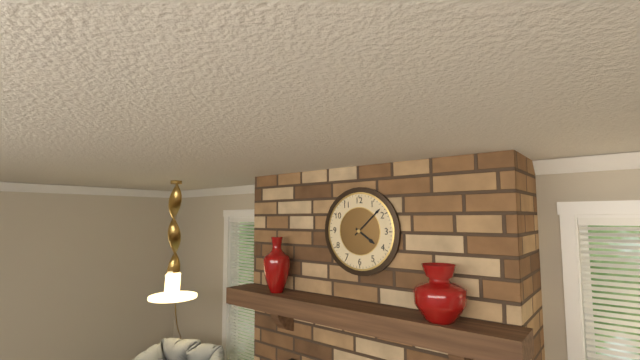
4:08
